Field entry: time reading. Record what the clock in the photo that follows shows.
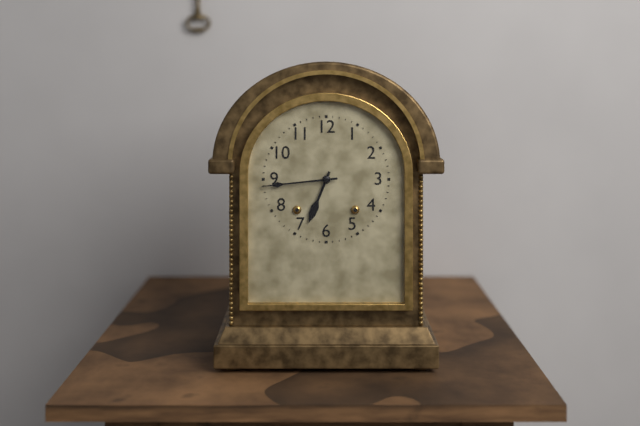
6:44
